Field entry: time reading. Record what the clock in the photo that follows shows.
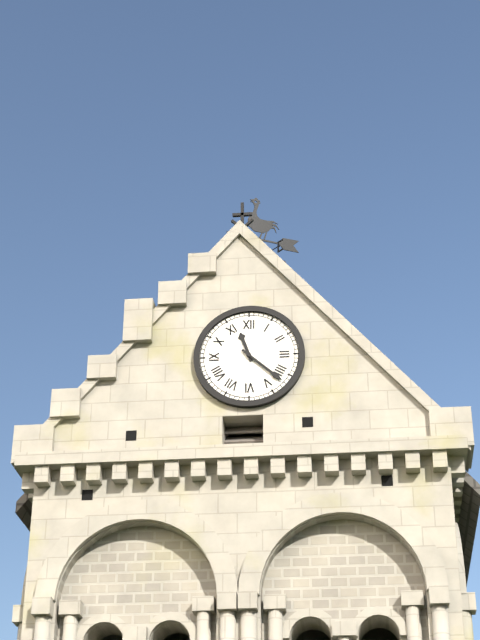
11:22
